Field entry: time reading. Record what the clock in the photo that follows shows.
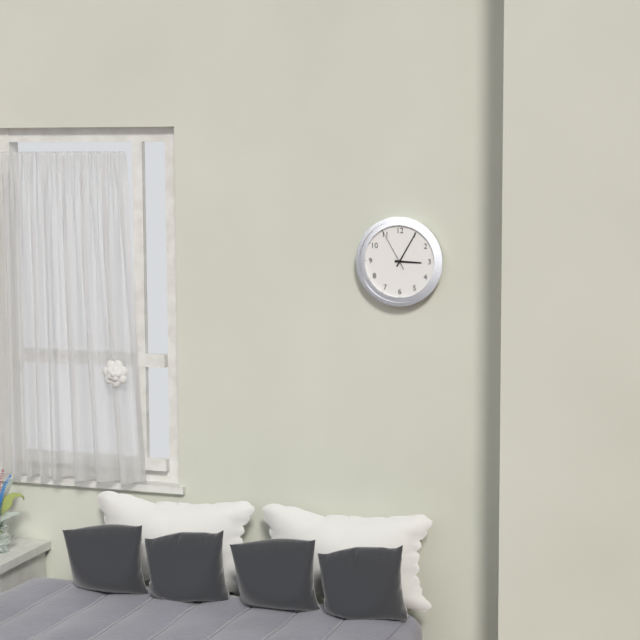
3:05
